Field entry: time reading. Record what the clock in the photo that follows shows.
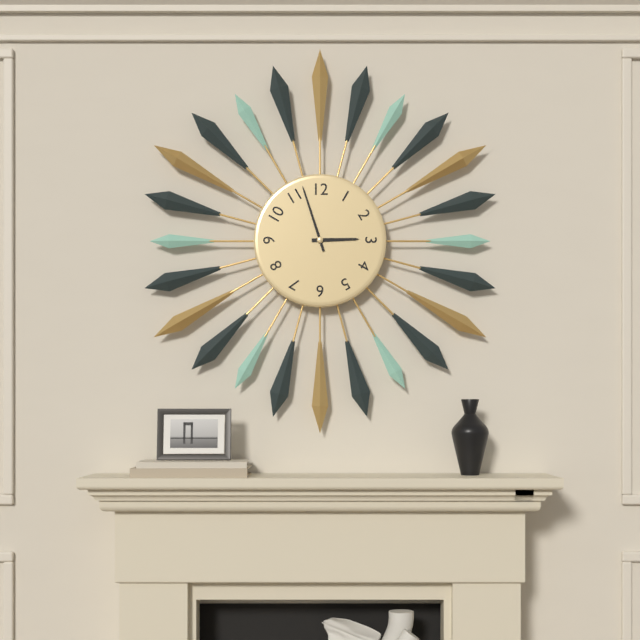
2:57
